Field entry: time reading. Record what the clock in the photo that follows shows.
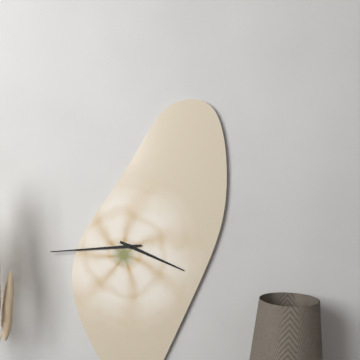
3:44
